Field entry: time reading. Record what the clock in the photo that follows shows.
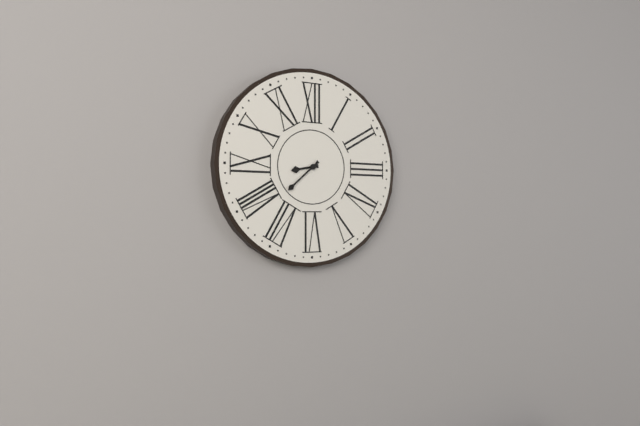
8:38
